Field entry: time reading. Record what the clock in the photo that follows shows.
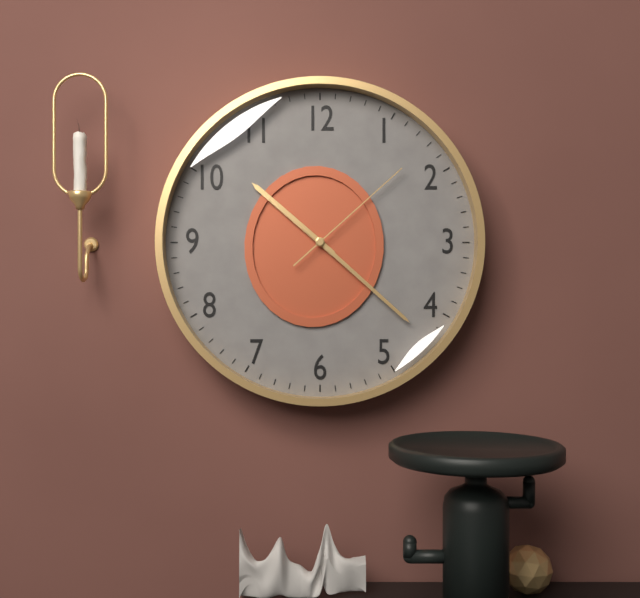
10:22:08
